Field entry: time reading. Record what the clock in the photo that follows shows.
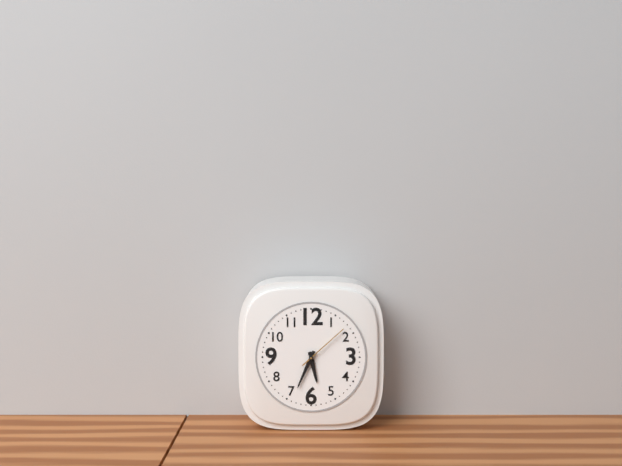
5:34:08
